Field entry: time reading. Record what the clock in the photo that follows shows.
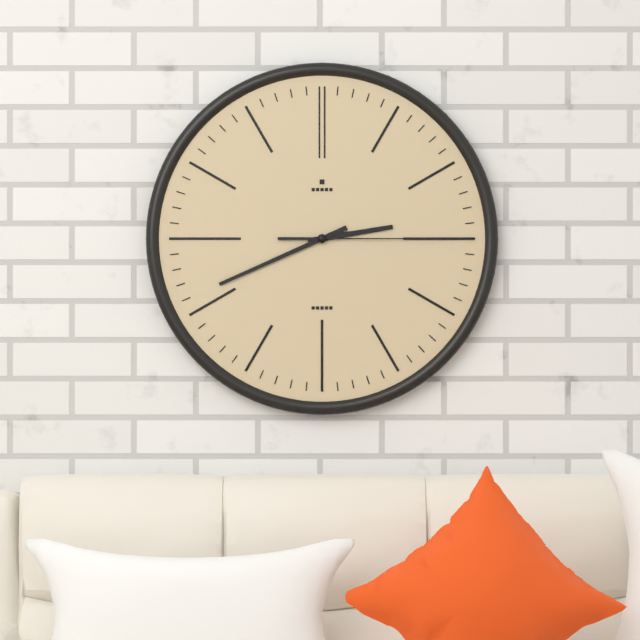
2:41:15
